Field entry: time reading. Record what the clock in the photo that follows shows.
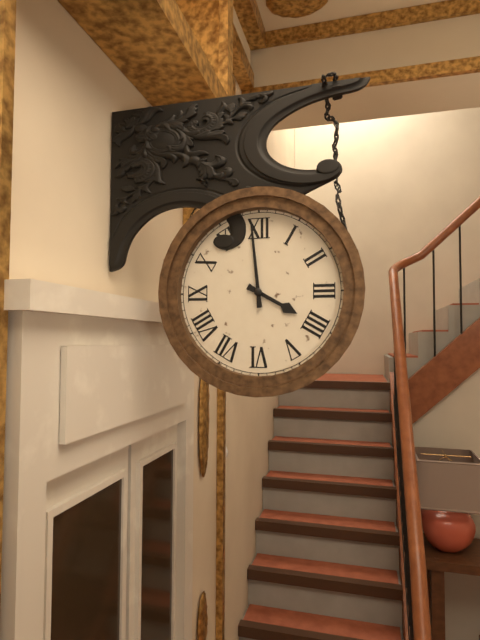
3:59
